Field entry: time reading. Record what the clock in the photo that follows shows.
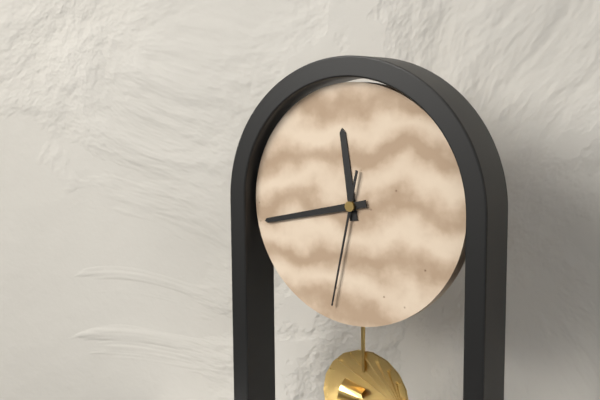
11:43:32
